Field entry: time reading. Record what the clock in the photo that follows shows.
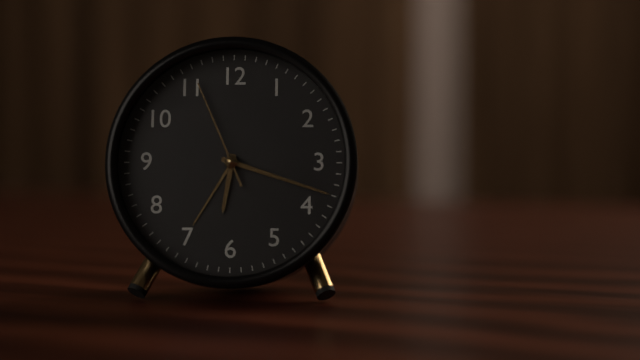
6:18:56
